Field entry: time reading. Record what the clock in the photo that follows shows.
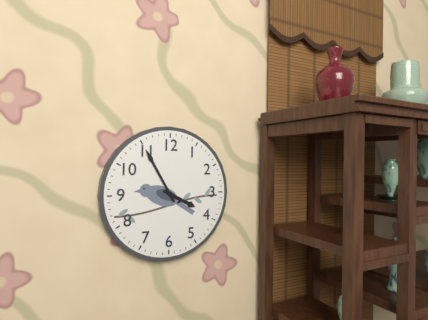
3:55
